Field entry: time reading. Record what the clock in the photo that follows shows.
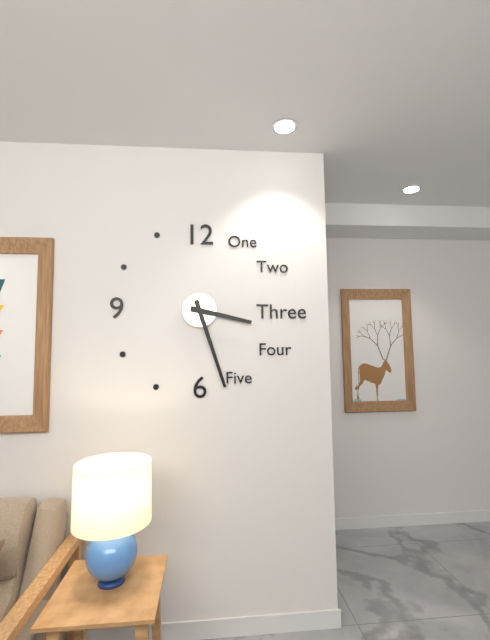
3:27
